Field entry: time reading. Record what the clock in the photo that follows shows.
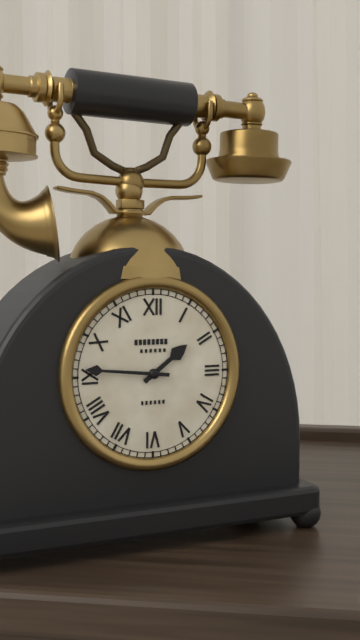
1:46
